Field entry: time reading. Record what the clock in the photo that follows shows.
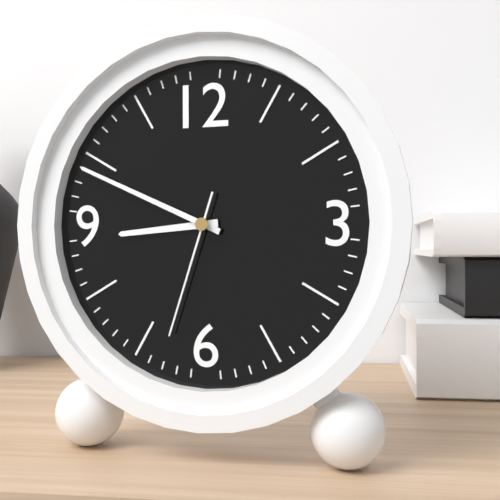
8:49:33
